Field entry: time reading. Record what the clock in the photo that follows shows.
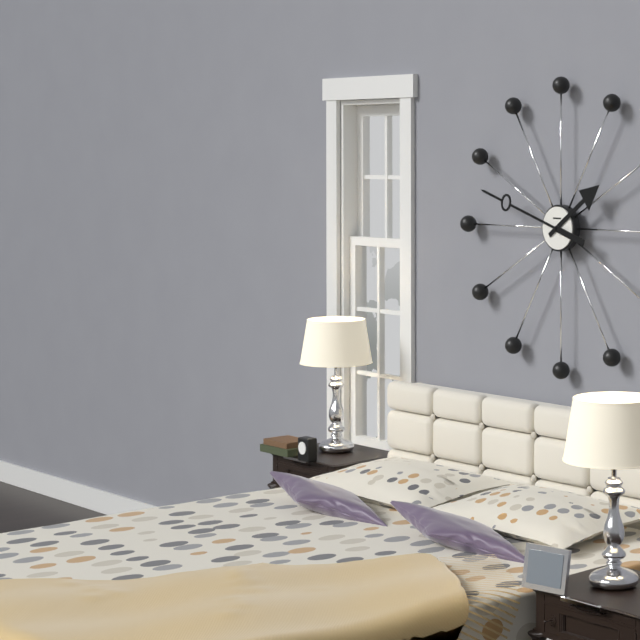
1:48
